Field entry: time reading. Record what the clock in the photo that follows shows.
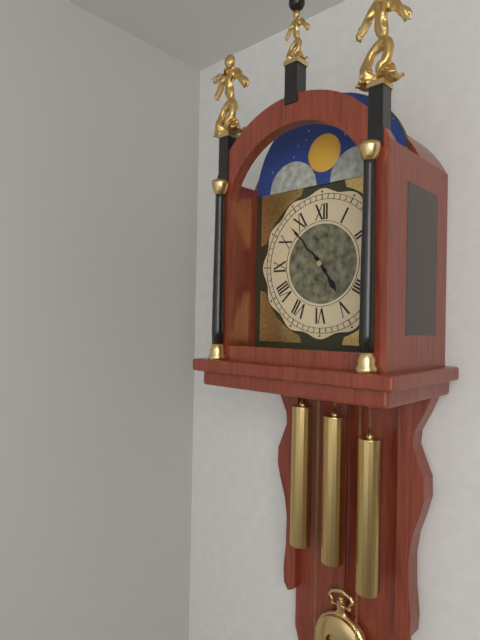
4:53
